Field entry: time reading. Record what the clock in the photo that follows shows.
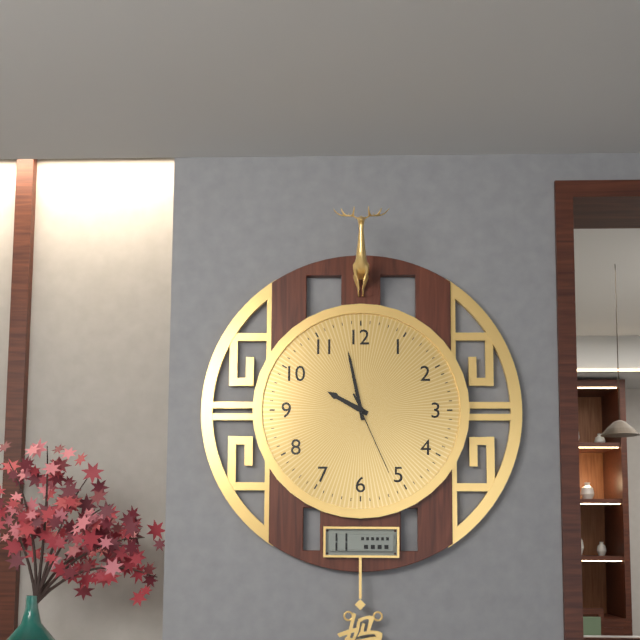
9:58:26
